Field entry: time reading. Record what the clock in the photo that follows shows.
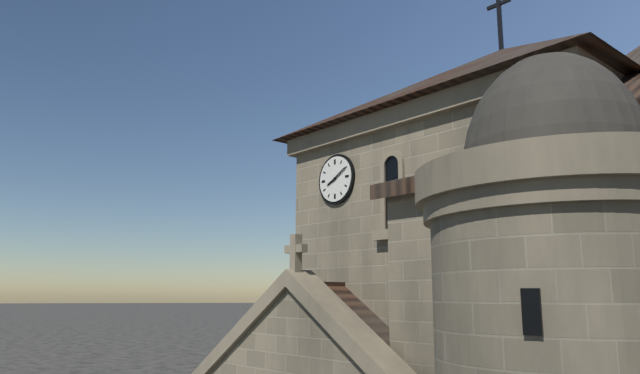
8:10
